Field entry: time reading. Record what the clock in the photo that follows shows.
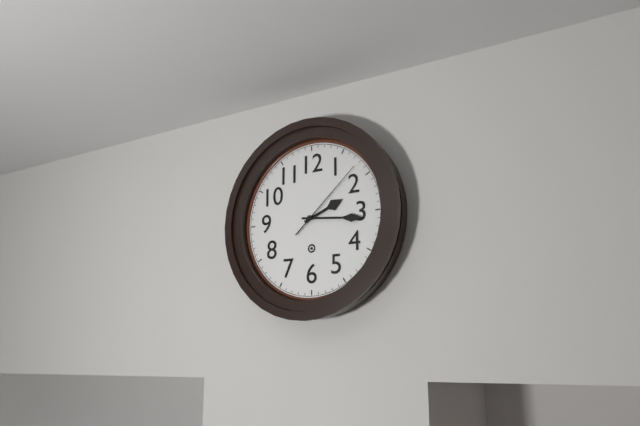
2:16:08
